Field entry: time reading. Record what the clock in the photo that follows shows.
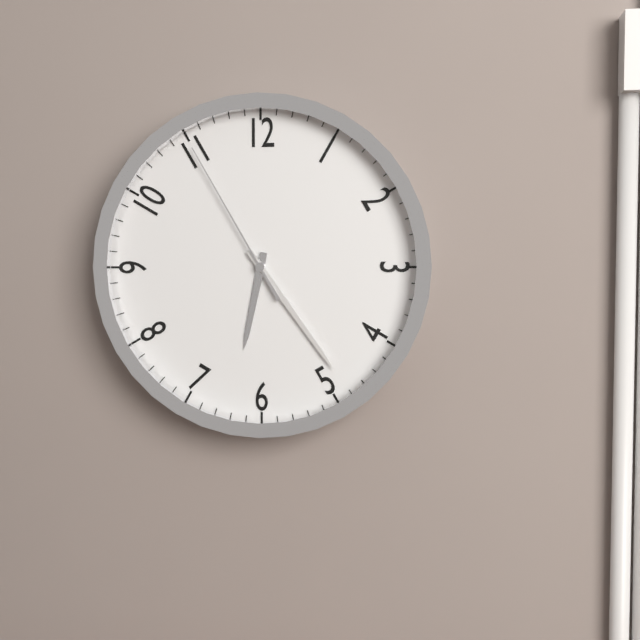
6:24:55
